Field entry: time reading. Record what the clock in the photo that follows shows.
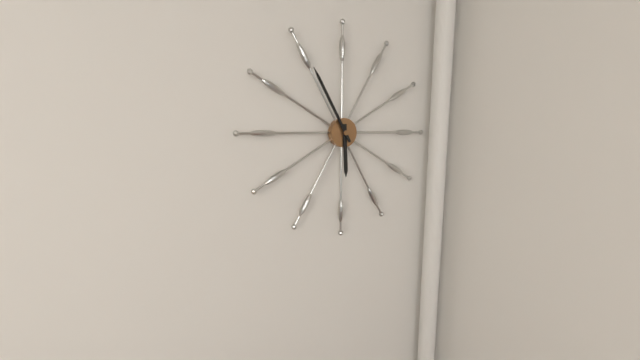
5:55
